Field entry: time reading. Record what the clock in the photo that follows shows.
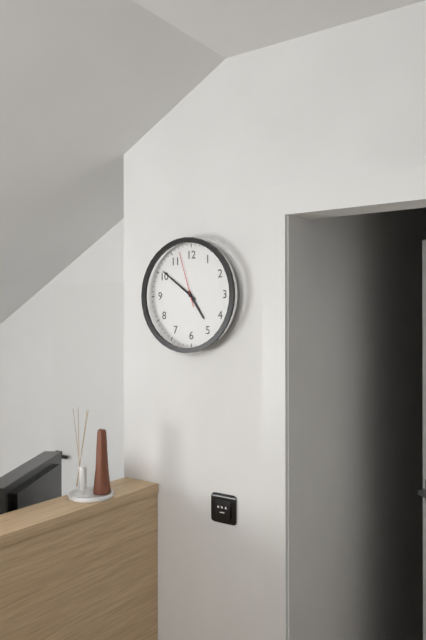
4:51:57
